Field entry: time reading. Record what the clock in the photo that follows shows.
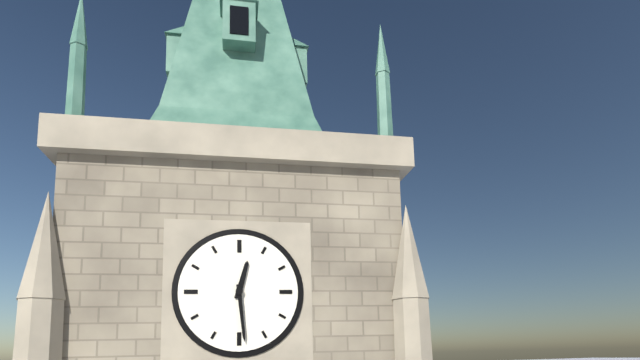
12:29
